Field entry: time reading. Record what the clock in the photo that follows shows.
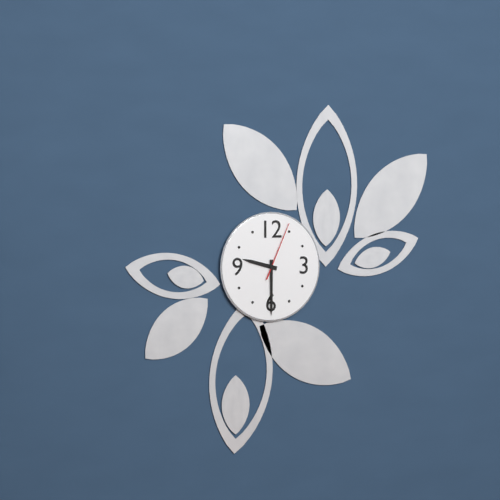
9:30:04
